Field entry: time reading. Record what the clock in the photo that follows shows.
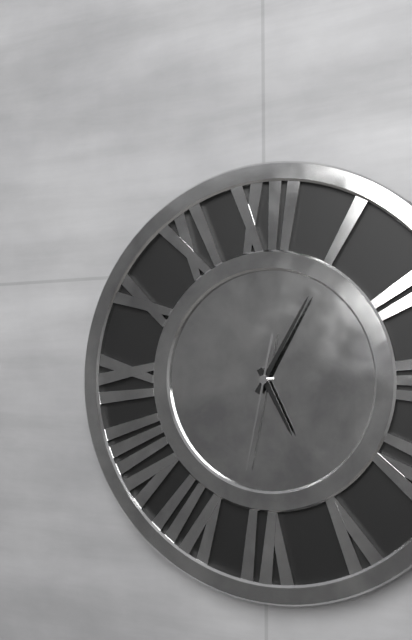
5:05:32
